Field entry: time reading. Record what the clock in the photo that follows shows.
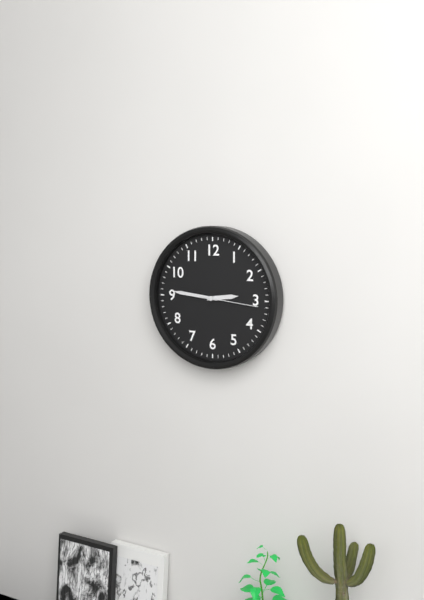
2:46:16
